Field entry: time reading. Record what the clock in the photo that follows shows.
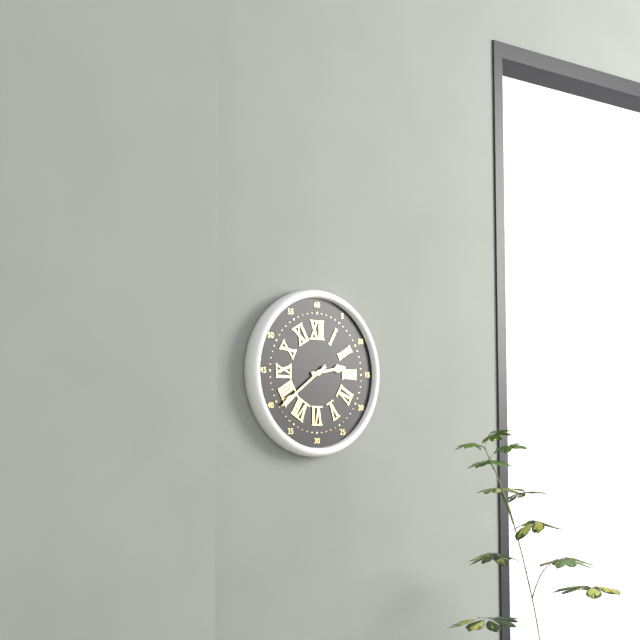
2:39
